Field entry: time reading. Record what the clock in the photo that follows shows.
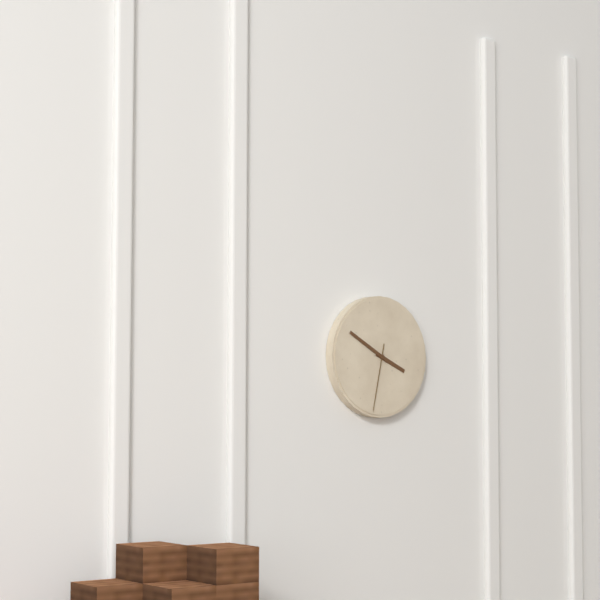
3:50:32
